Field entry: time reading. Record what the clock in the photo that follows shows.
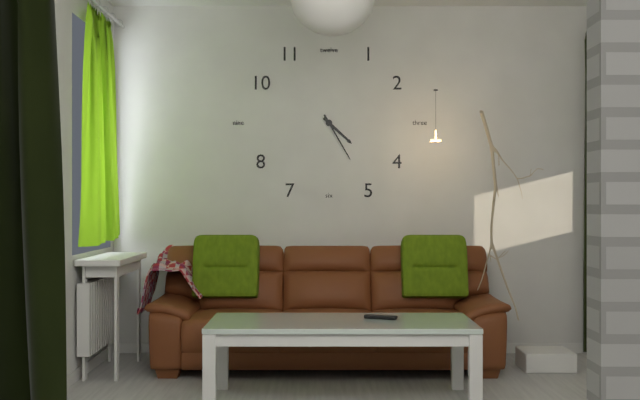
4:25
